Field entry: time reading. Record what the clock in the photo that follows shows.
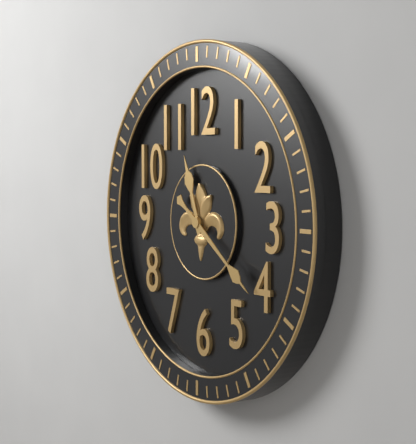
11:21
